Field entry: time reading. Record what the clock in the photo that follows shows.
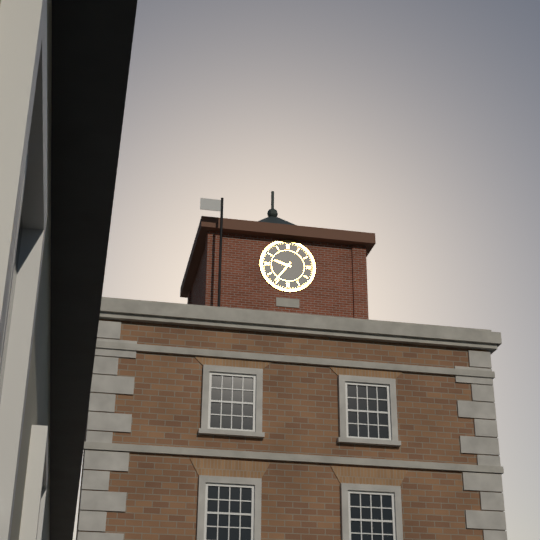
9:36
